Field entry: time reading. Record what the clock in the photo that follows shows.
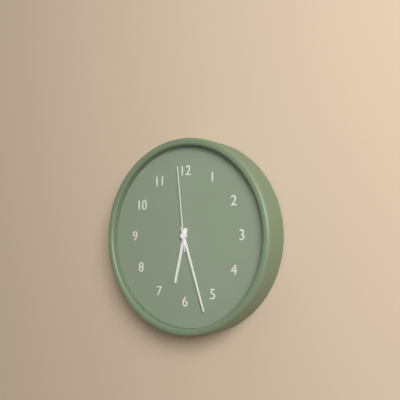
6:27:59
